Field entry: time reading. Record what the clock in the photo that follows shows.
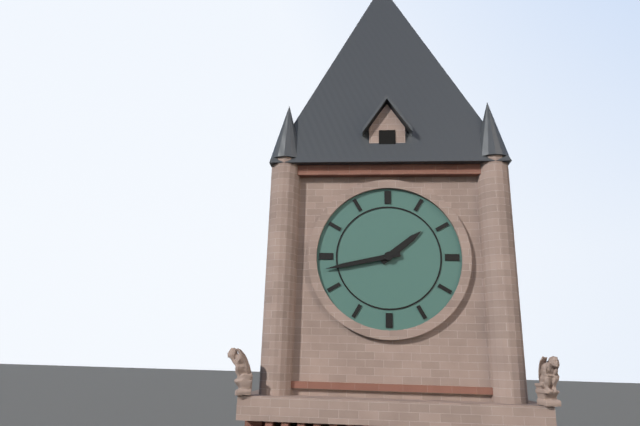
1:43
